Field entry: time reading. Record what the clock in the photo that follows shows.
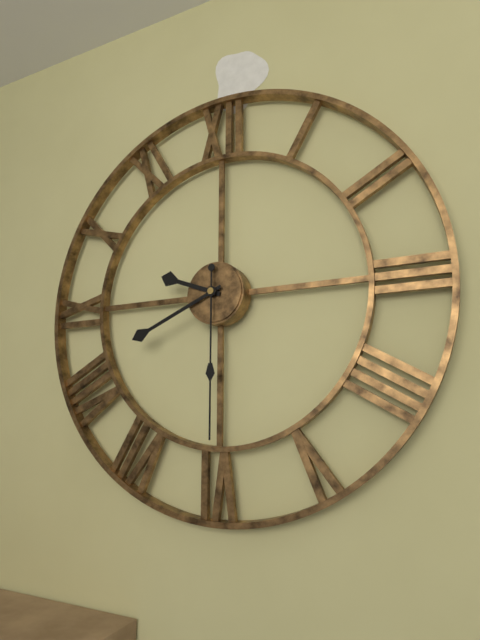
9:41:30
